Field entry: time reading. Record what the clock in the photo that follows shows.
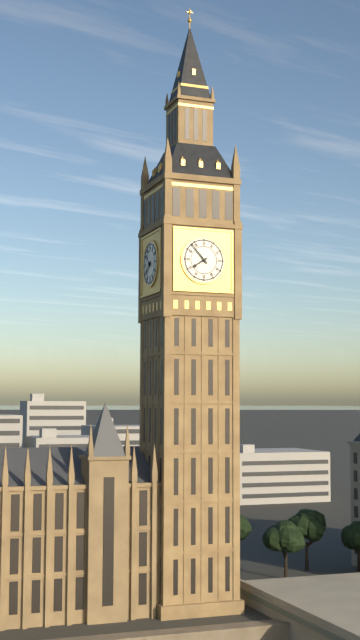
7:53
